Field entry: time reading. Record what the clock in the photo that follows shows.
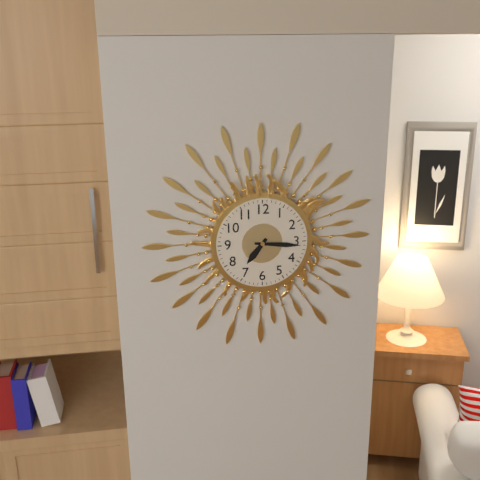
7:16
